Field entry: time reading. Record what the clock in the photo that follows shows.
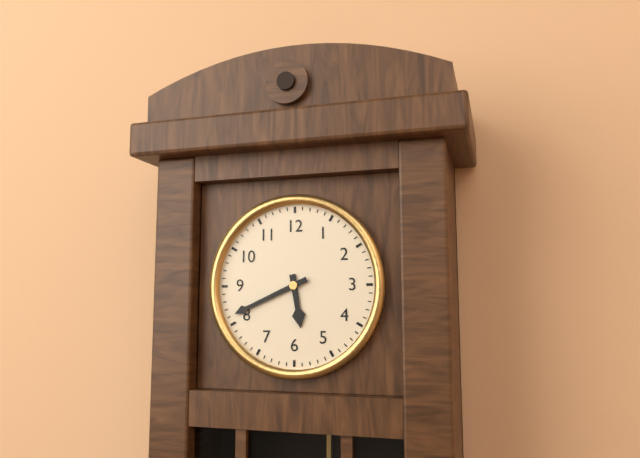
5:41
